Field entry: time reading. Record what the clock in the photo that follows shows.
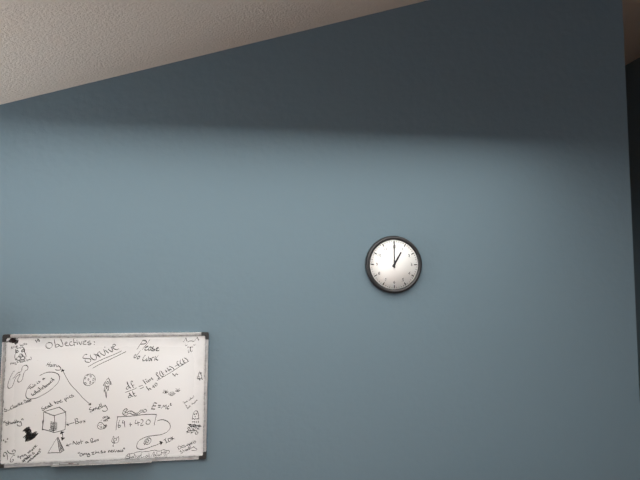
1:00
